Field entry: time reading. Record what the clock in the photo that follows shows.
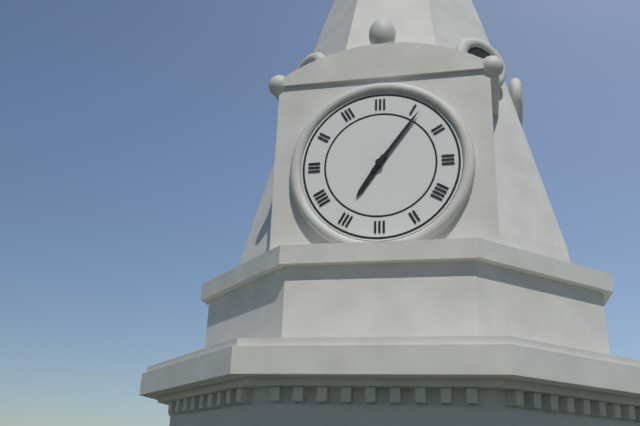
7:06
